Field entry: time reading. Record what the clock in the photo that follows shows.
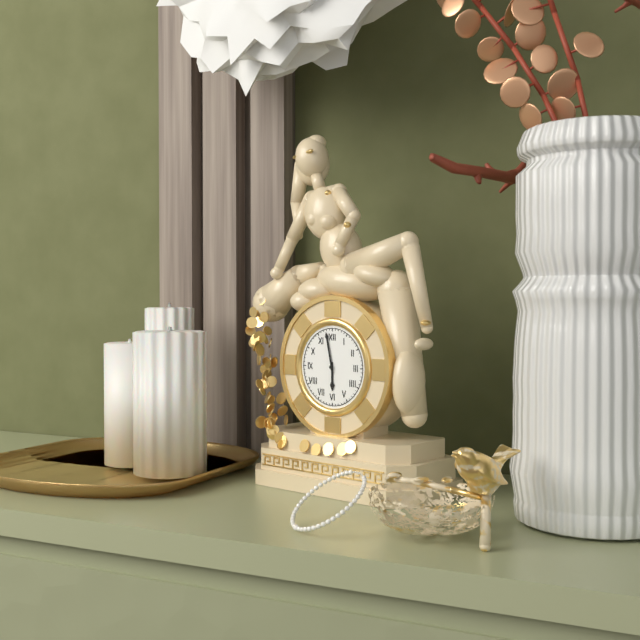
5:58
